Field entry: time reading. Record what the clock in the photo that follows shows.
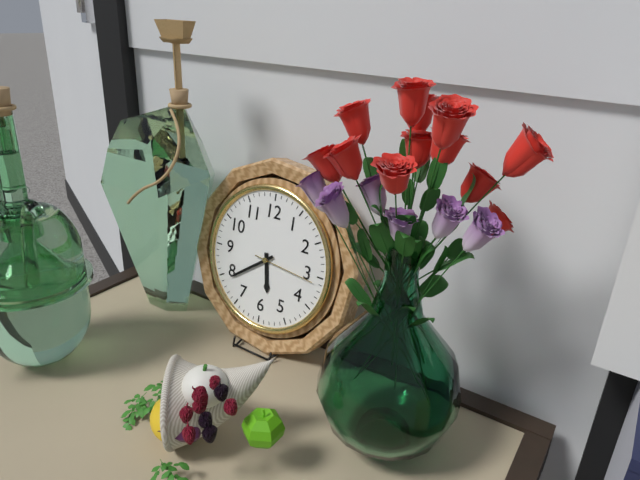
5:39:16
